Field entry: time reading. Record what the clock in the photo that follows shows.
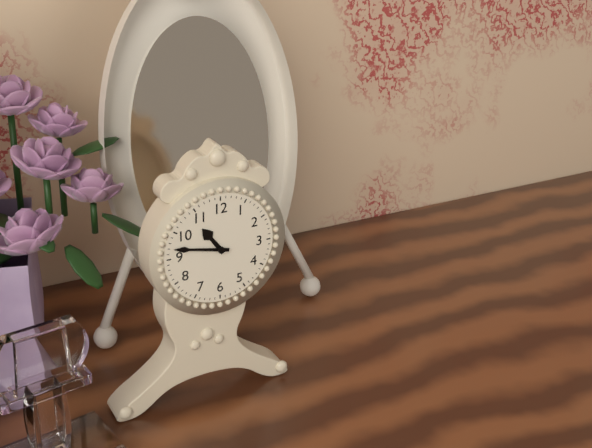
10:47
